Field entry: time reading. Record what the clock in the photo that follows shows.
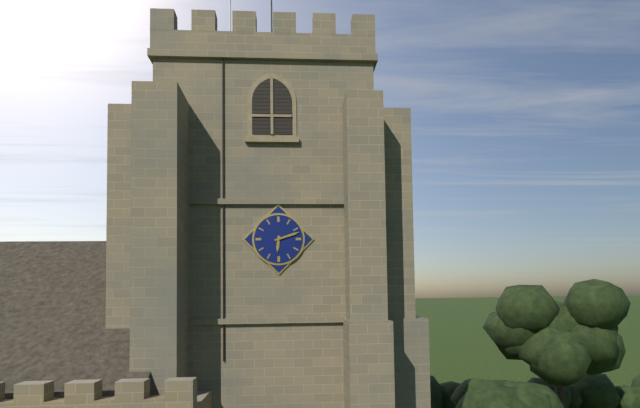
6:12
